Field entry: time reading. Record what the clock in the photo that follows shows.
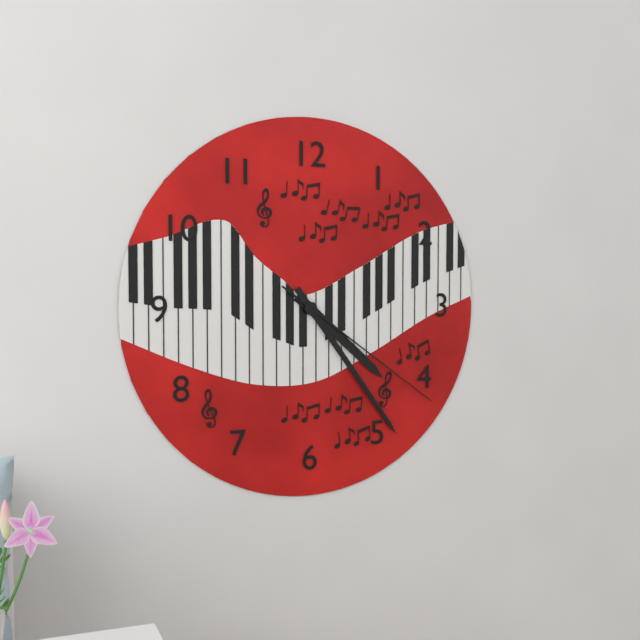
4:24:21
